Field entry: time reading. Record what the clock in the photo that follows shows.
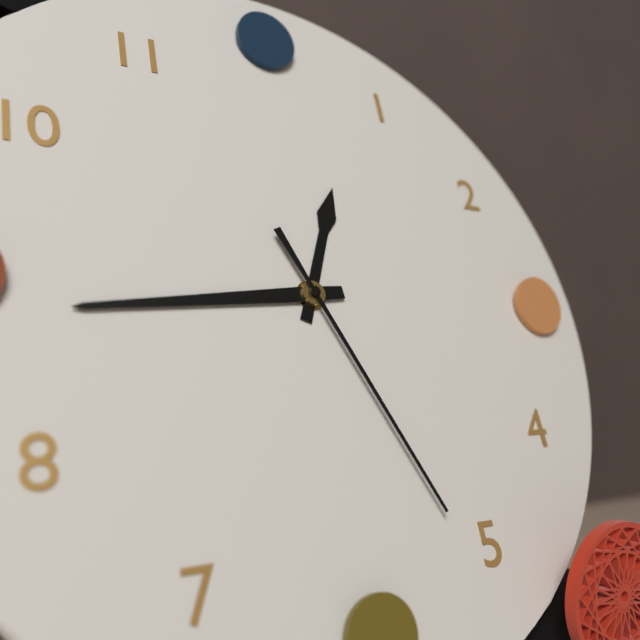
12:44:26
